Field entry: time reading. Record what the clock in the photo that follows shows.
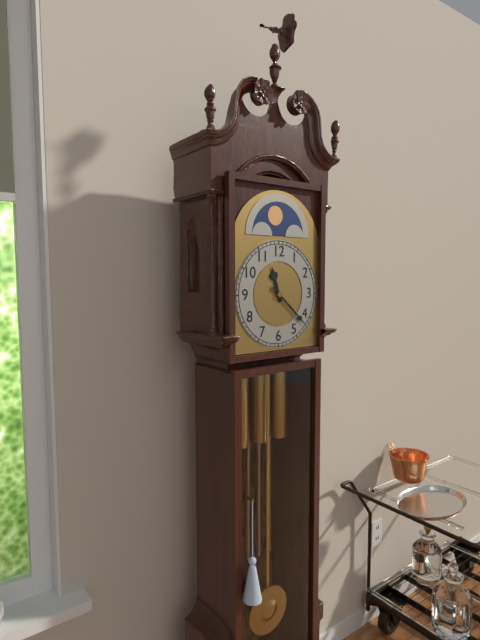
11:22
